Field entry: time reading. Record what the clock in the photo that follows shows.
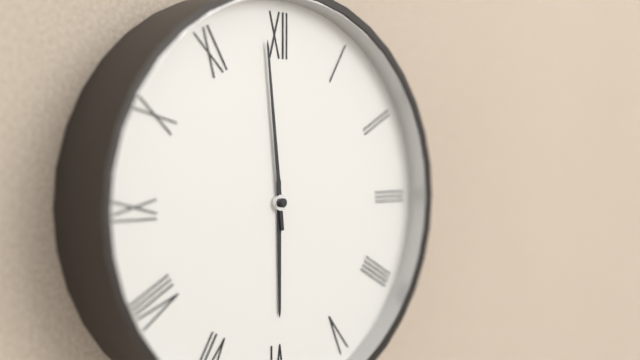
5:59
